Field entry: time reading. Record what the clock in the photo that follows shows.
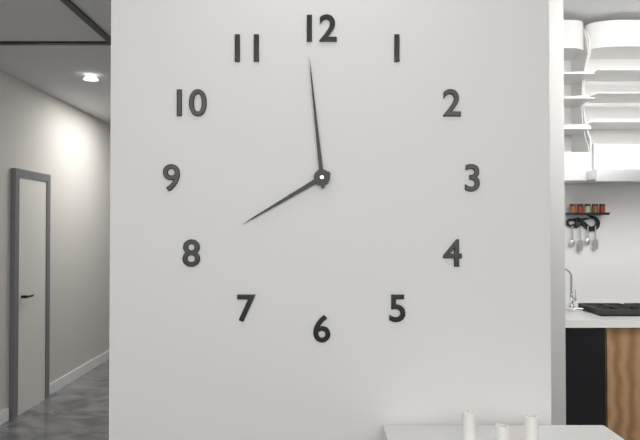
7:59
